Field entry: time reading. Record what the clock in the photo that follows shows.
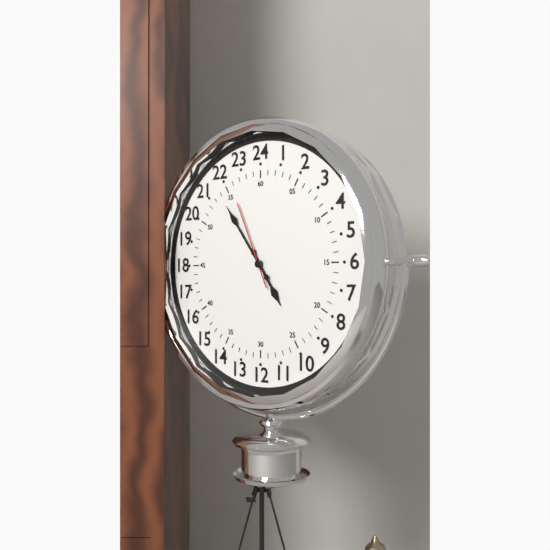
4:54:56
